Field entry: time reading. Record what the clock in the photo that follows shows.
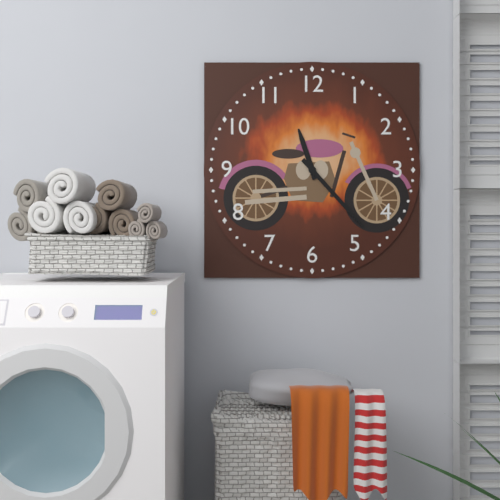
11:23
